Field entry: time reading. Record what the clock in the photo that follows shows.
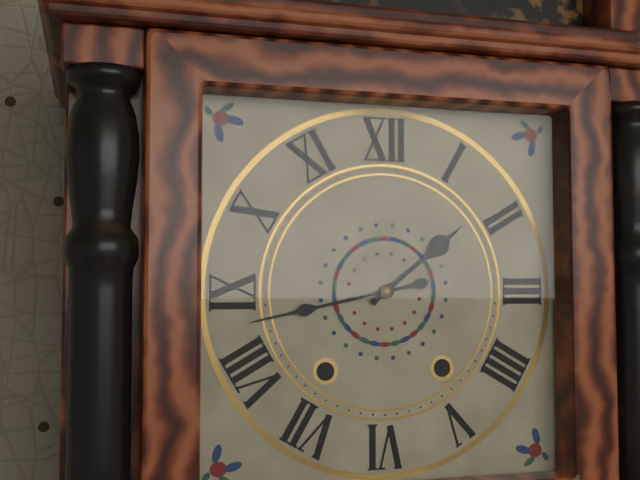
1:43
